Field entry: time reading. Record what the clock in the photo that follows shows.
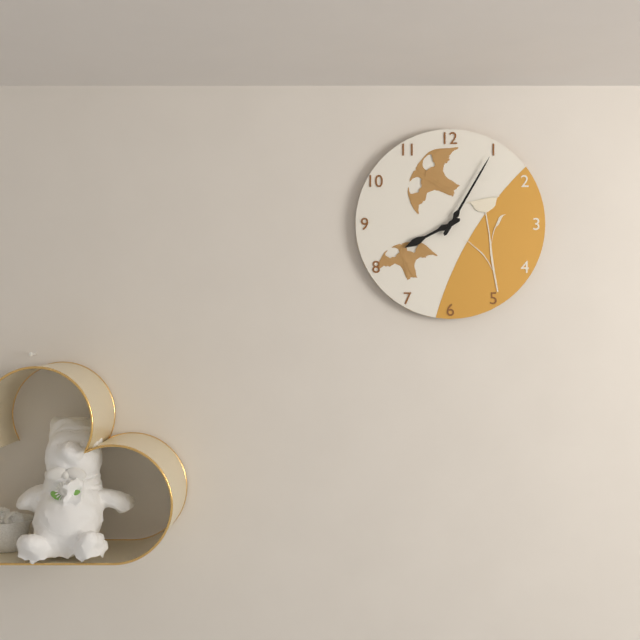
8:05
